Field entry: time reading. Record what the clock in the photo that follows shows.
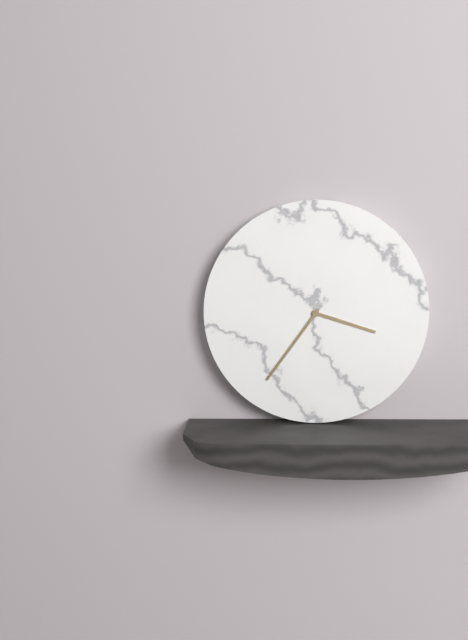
3:36
